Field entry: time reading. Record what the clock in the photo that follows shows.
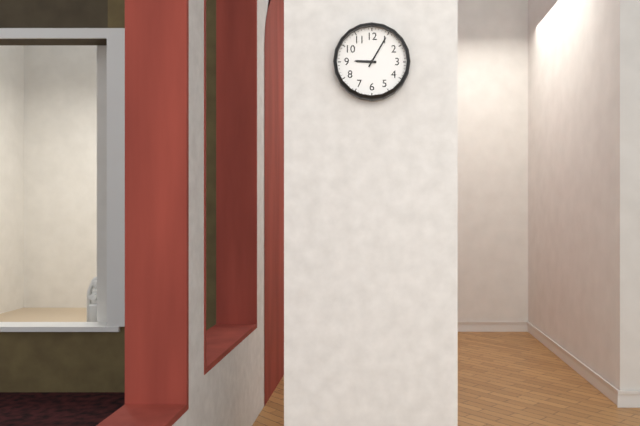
9:05
